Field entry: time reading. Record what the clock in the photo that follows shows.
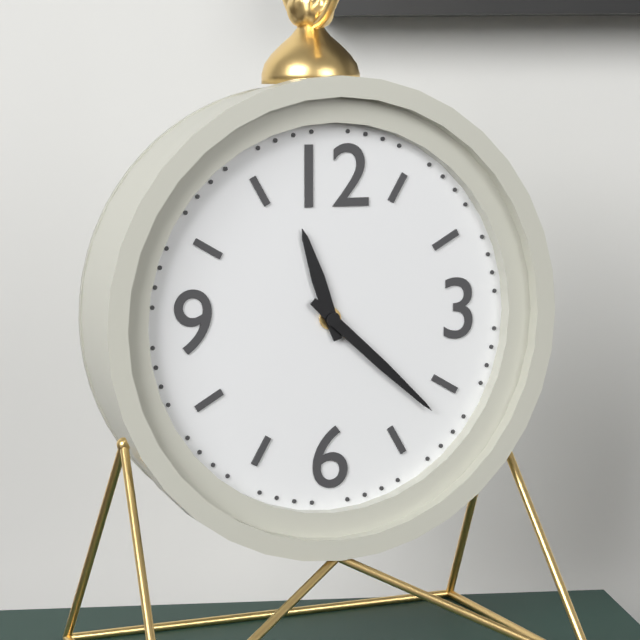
11:22
